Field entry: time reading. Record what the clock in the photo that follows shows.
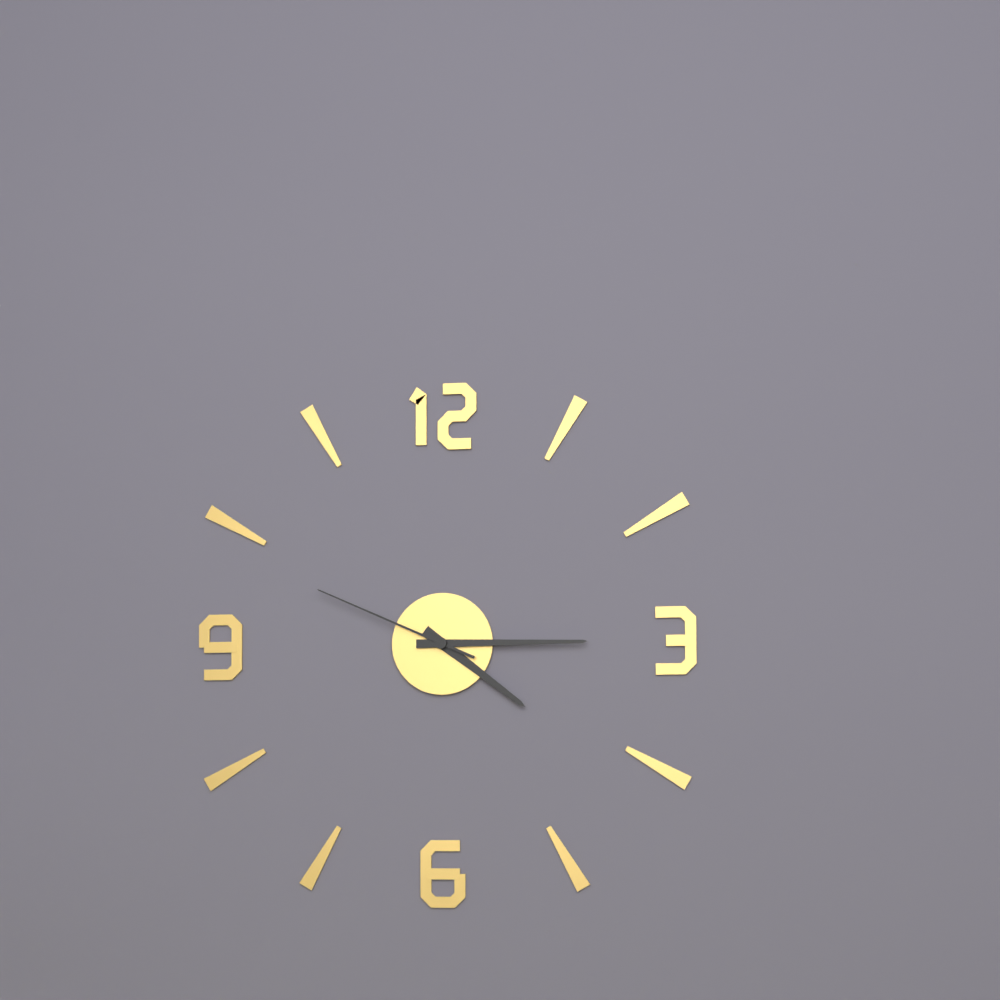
4:15:49
